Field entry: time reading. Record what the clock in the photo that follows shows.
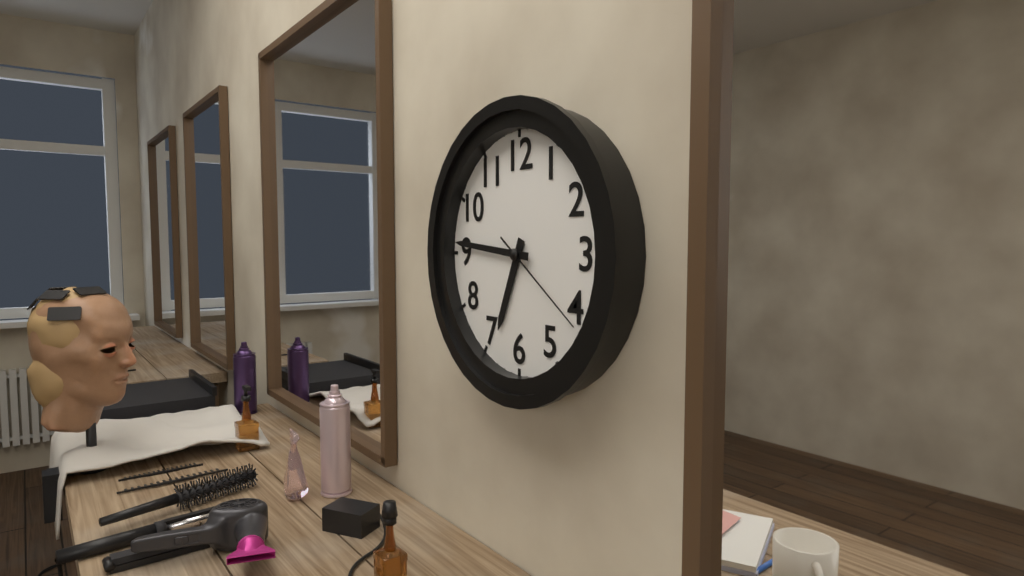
6:46:21
